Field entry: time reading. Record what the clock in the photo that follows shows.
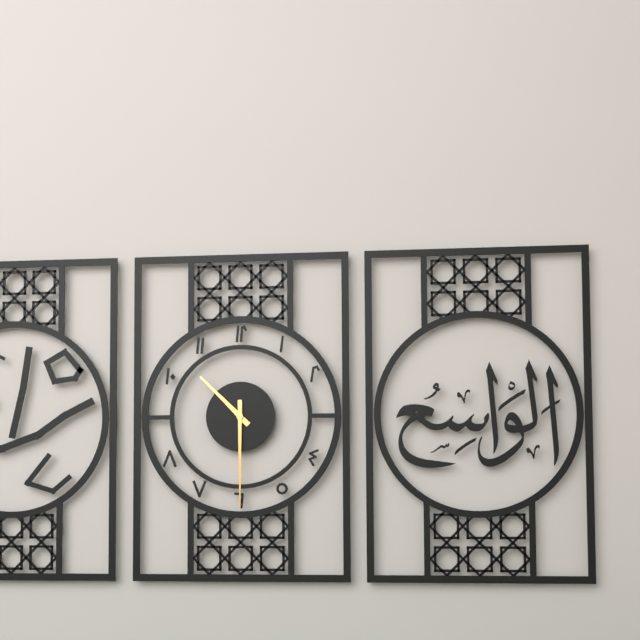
10:30
